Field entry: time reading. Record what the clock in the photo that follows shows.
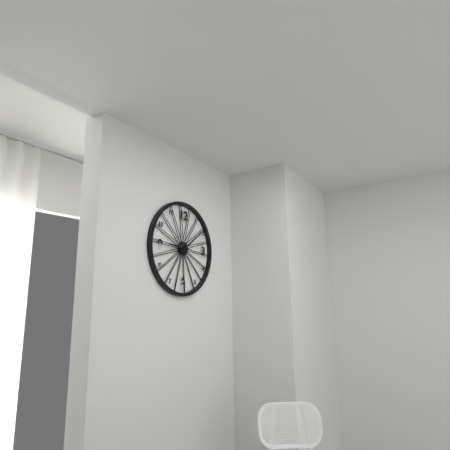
9:09
